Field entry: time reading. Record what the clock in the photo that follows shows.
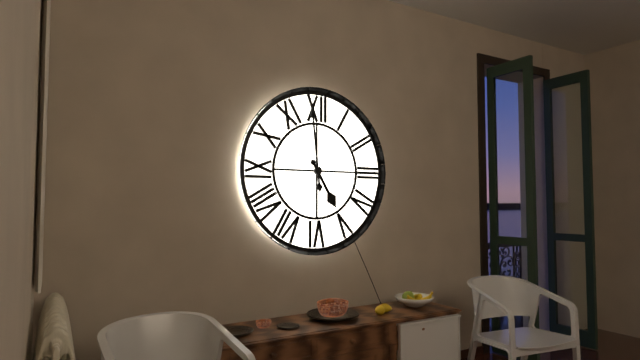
4:59
